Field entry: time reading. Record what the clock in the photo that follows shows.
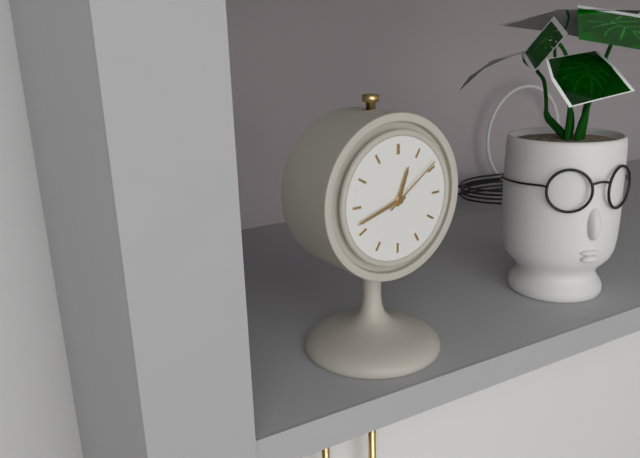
12:42:09
